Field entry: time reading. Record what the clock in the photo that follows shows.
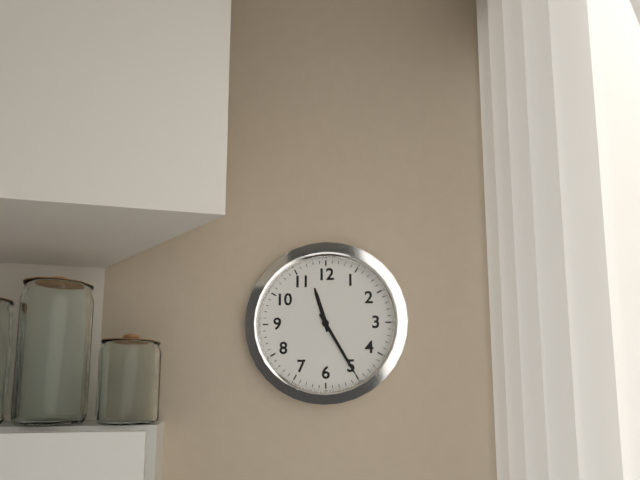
11:25
